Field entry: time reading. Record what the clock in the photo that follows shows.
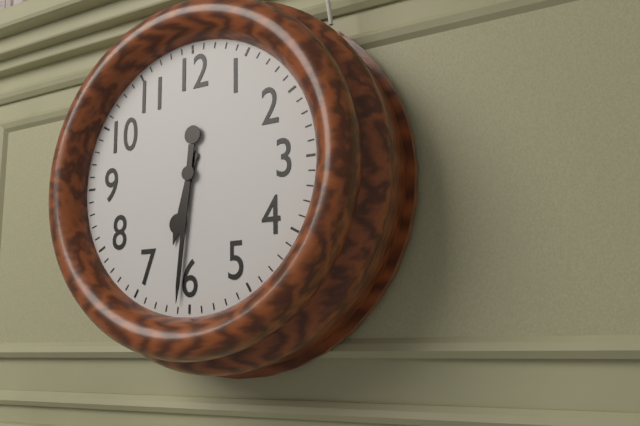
6:31
